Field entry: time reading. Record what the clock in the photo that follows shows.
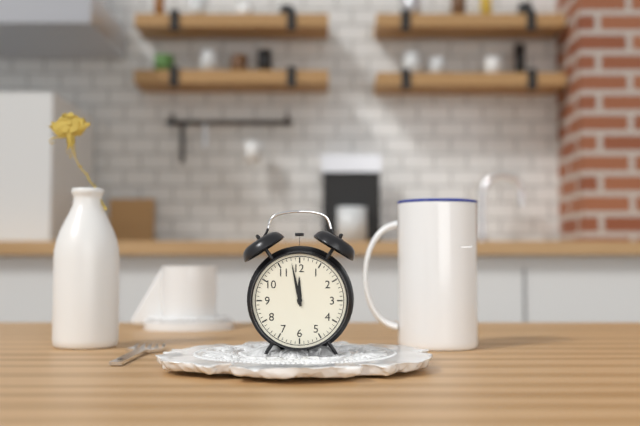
11:58
